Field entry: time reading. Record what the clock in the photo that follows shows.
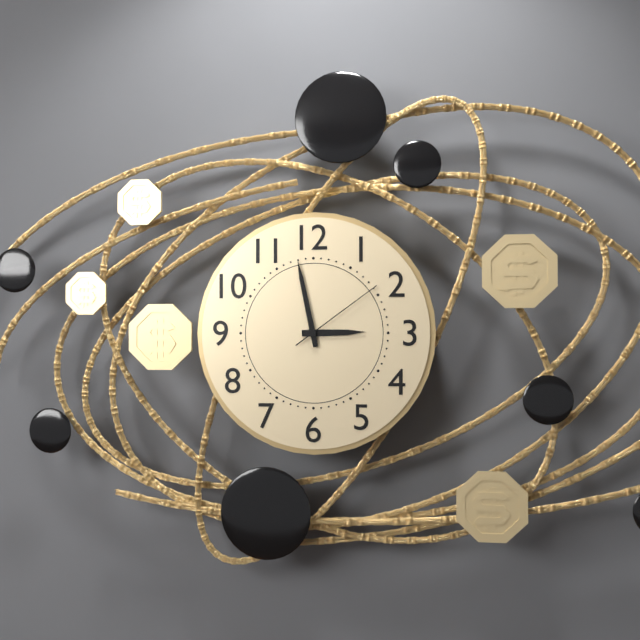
2:58:09
